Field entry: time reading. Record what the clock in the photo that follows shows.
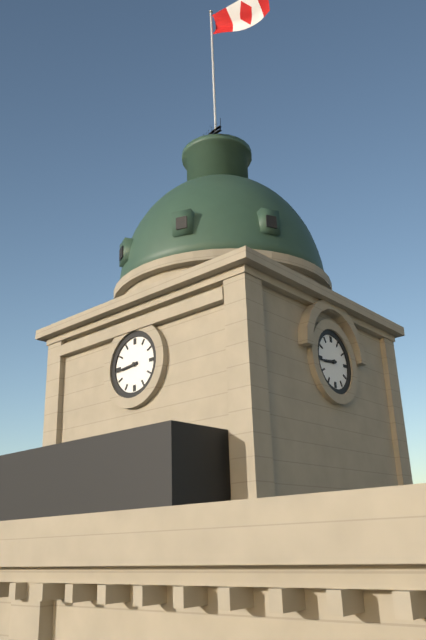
8:44
